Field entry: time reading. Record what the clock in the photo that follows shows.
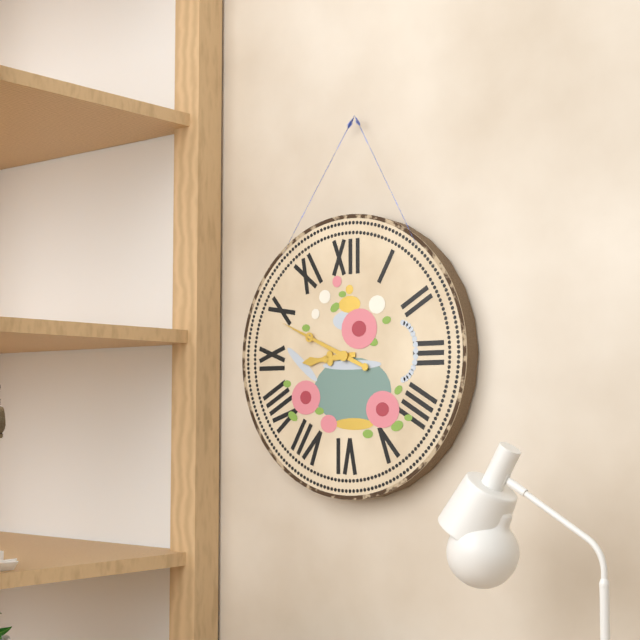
8:49
